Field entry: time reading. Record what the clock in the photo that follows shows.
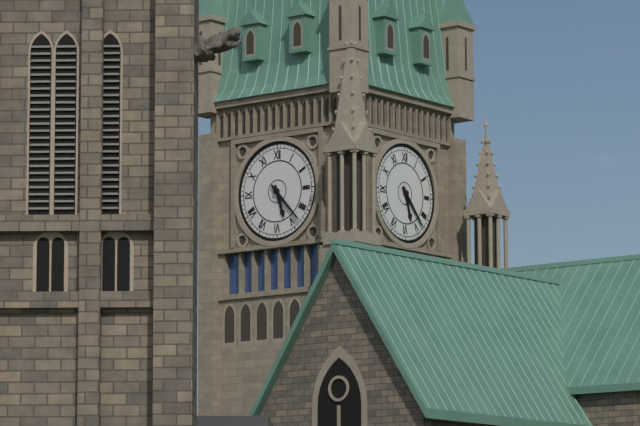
5:23
